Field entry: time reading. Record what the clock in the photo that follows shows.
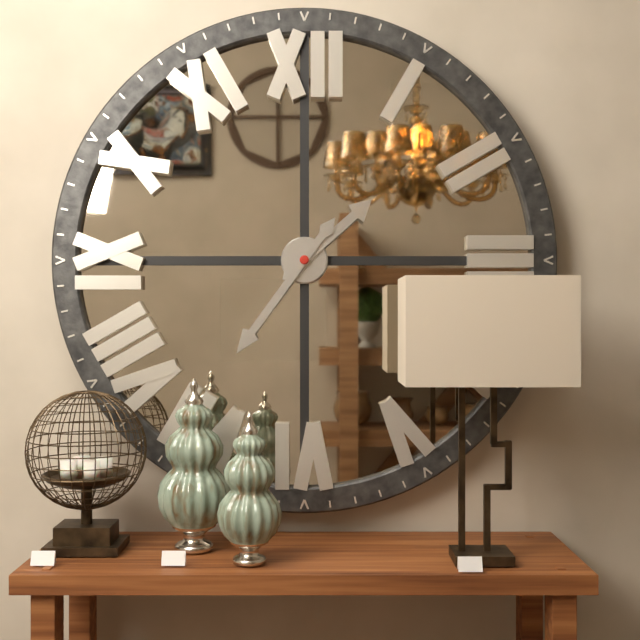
1:36
